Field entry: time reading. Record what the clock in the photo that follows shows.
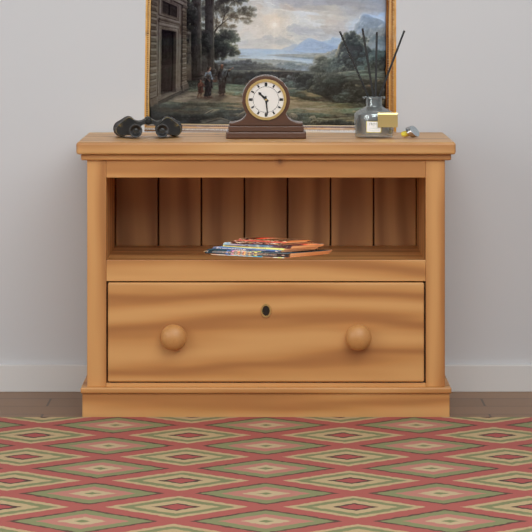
10:29
